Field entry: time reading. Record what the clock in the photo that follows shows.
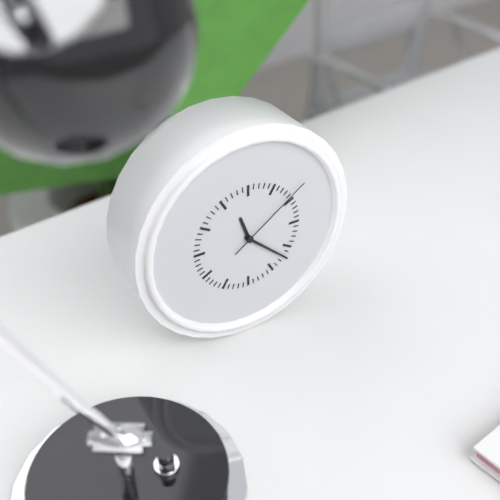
11:22:09
